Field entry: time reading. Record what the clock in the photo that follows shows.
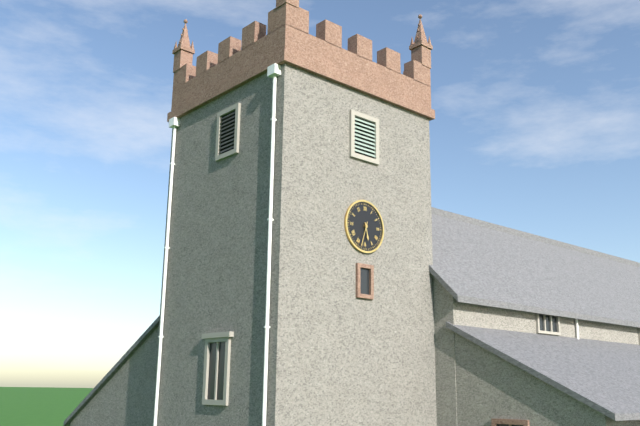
5:33
